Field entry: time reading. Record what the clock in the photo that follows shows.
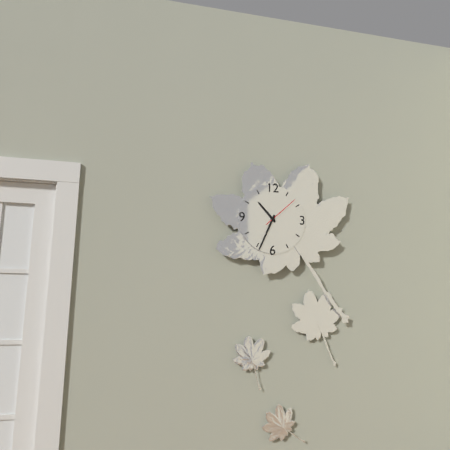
10:34
